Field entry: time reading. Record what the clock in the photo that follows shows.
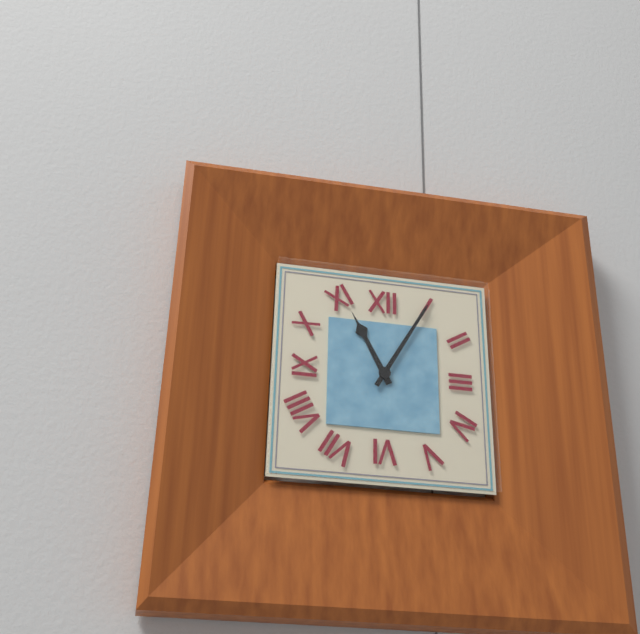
11:05
